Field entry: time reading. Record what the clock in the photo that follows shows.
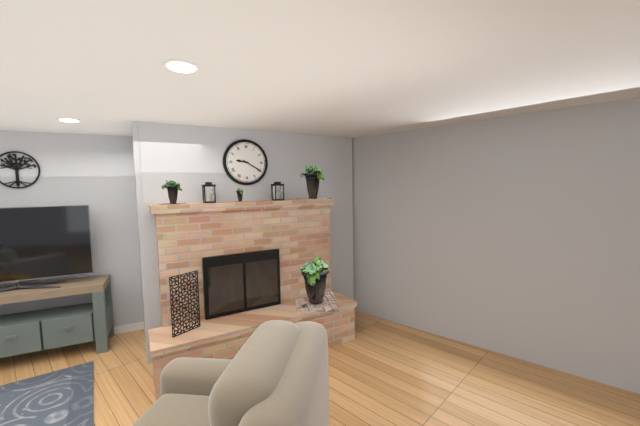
9:20
